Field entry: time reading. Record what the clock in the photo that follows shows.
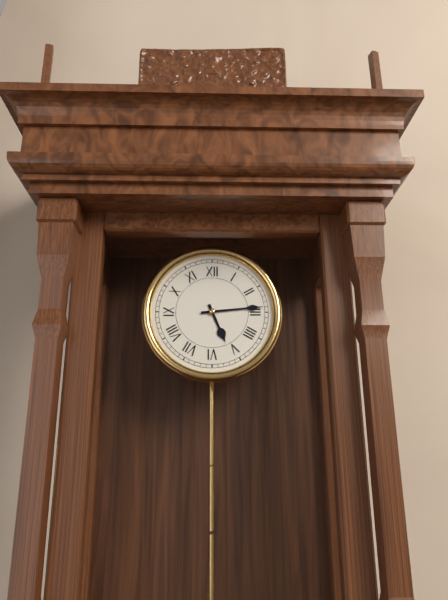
5:14
